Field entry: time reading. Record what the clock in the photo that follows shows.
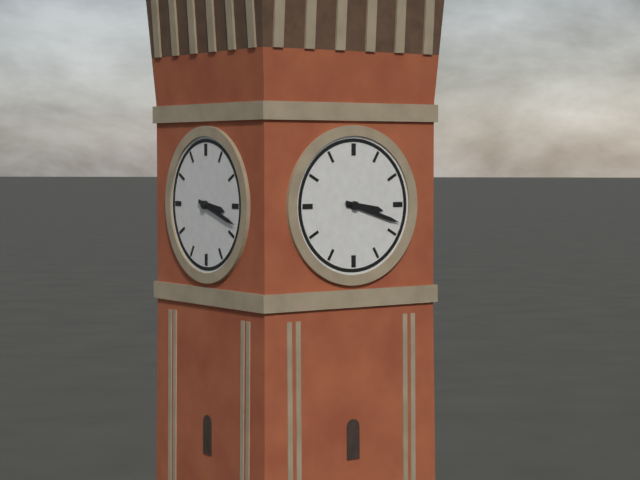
3:18
